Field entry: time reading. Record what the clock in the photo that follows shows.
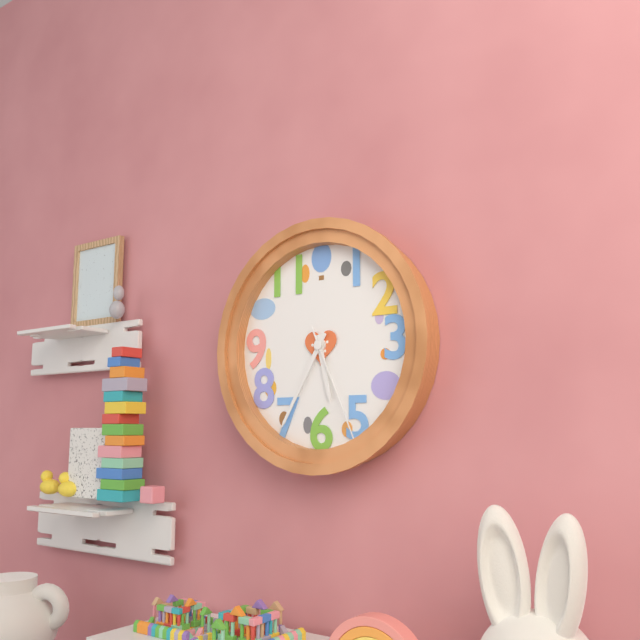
5:35:26
